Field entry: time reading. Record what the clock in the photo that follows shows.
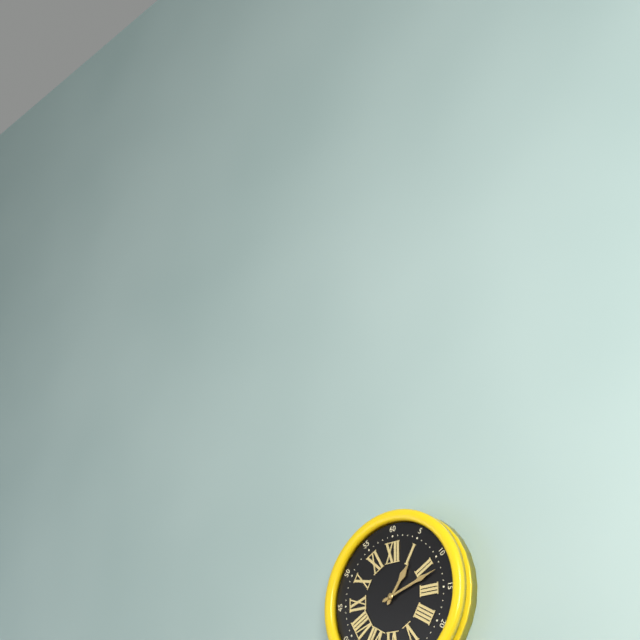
1:12
